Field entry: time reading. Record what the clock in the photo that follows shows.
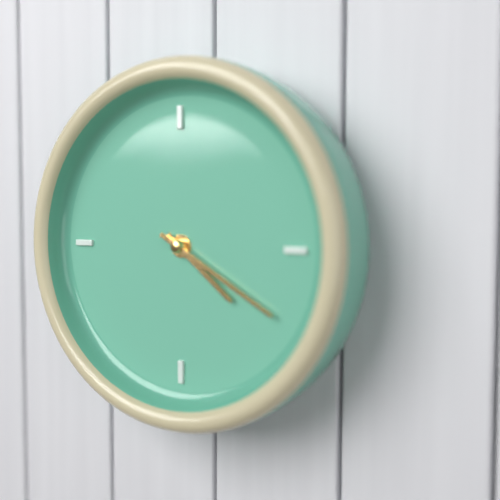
4:20
